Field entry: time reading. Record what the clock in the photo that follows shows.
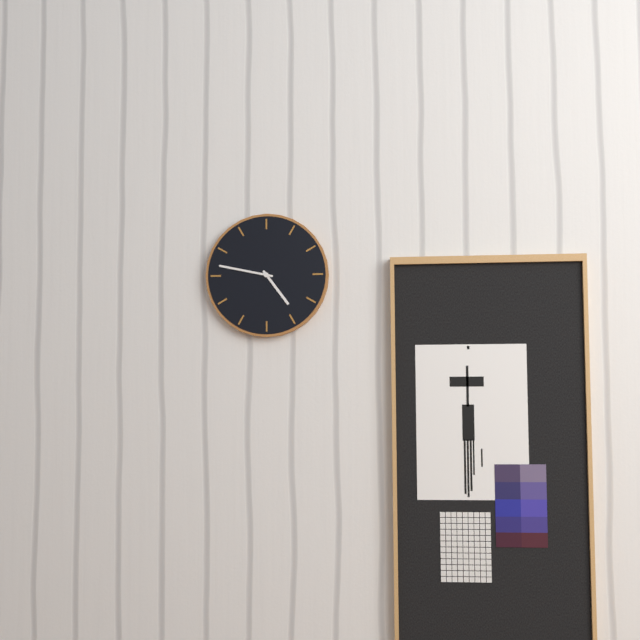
4:47
